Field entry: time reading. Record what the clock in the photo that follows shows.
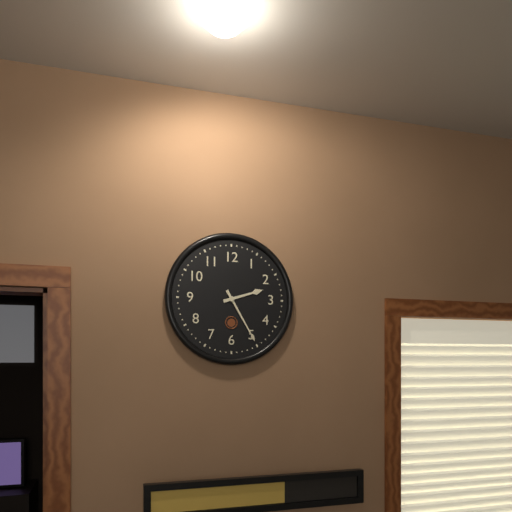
2:25
